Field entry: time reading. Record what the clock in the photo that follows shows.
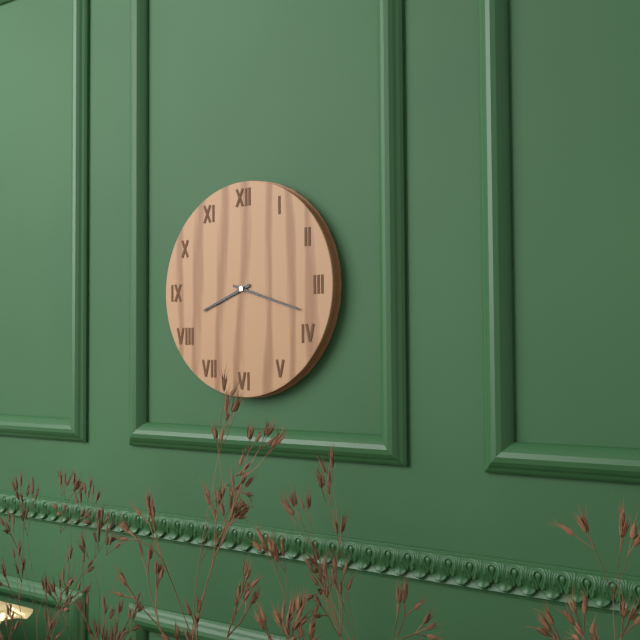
8:18
